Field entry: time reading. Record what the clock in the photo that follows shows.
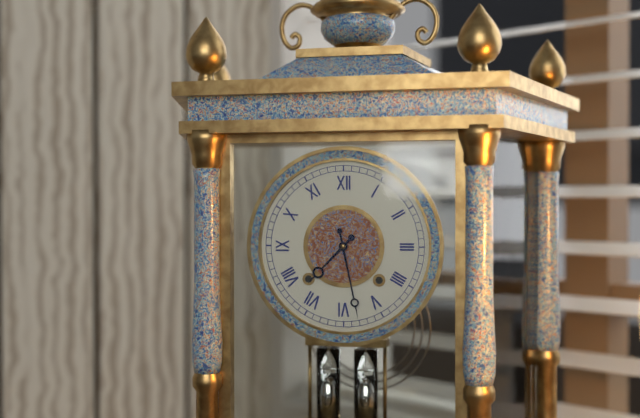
7:28
